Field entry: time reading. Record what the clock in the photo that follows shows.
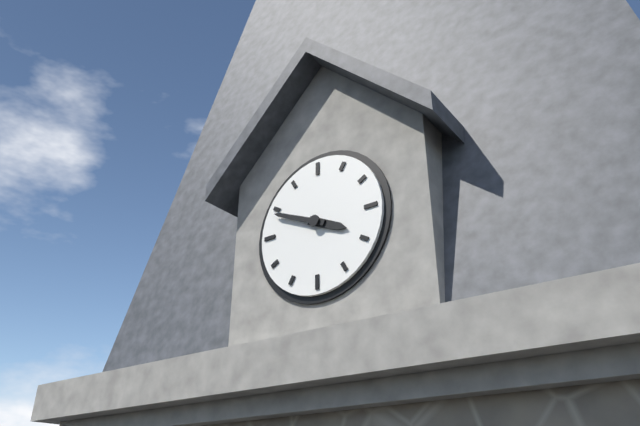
3:49
